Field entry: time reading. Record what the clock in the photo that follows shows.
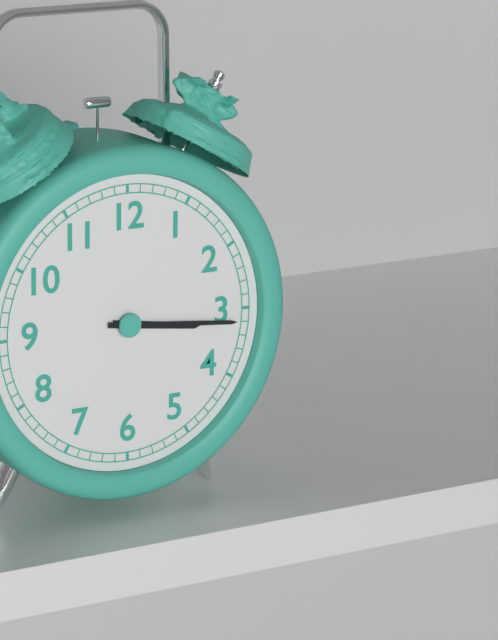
3:16
